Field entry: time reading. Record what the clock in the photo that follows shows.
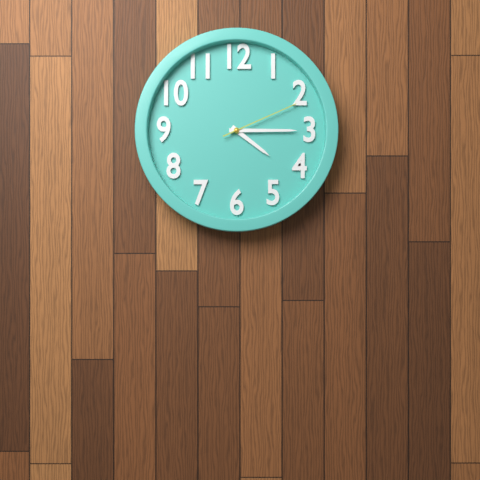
4:15:11
